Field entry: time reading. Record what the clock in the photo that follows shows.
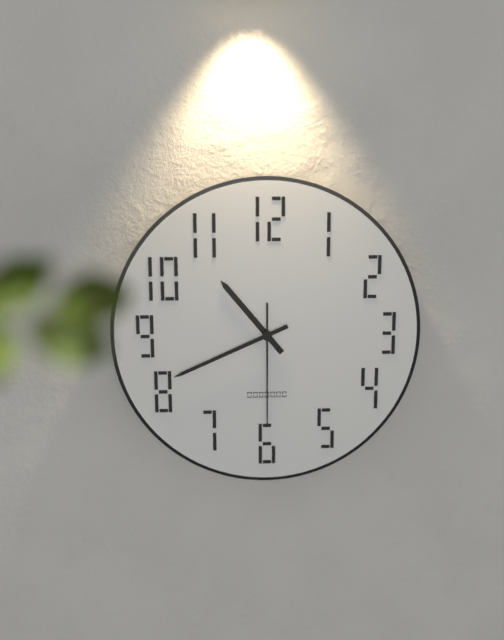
10:41:30
